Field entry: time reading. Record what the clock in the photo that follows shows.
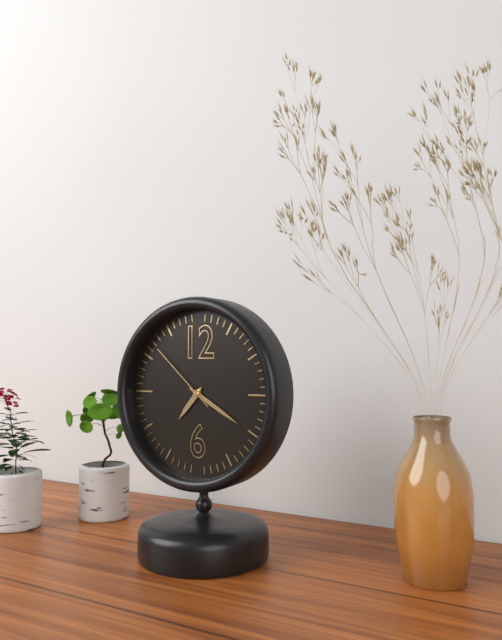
7:20:52
